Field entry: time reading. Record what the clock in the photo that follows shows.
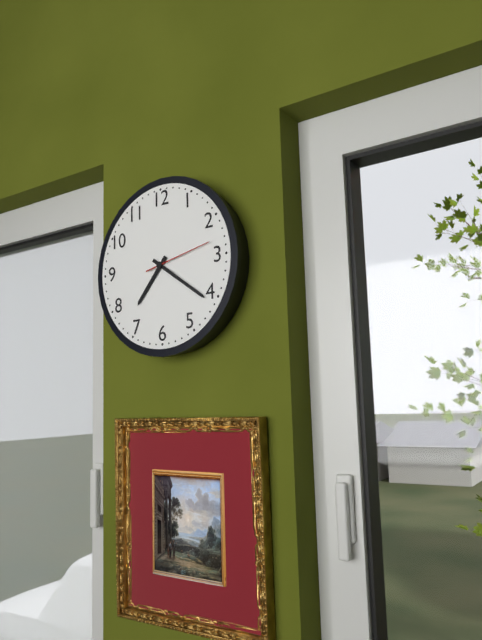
7:21:13
